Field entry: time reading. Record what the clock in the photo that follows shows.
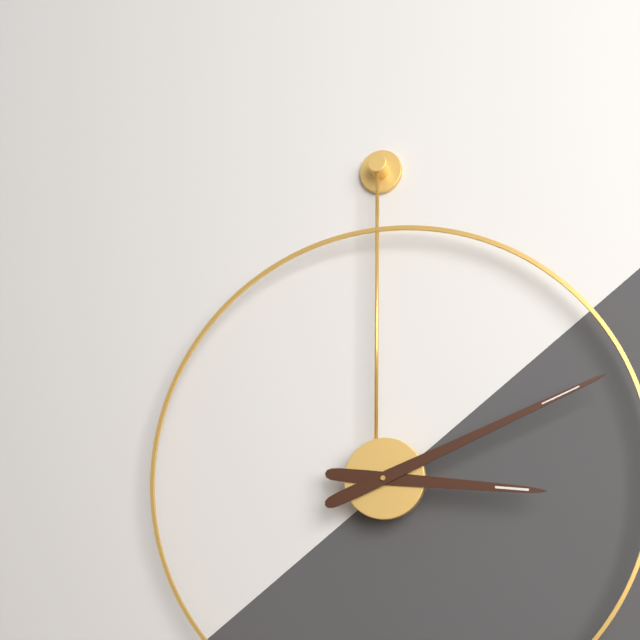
3:11
